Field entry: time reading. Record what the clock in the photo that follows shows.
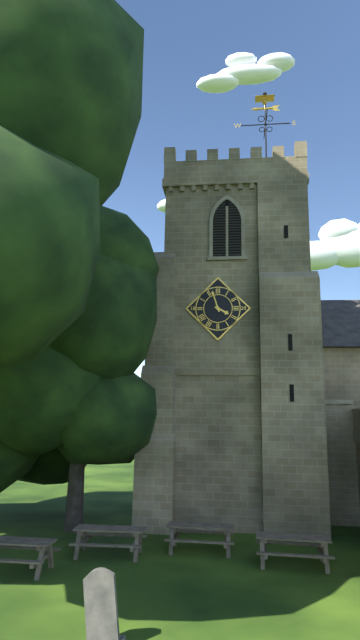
3:57
